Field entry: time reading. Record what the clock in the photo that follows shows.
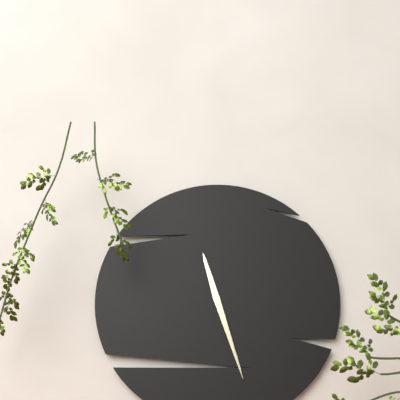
11:27
